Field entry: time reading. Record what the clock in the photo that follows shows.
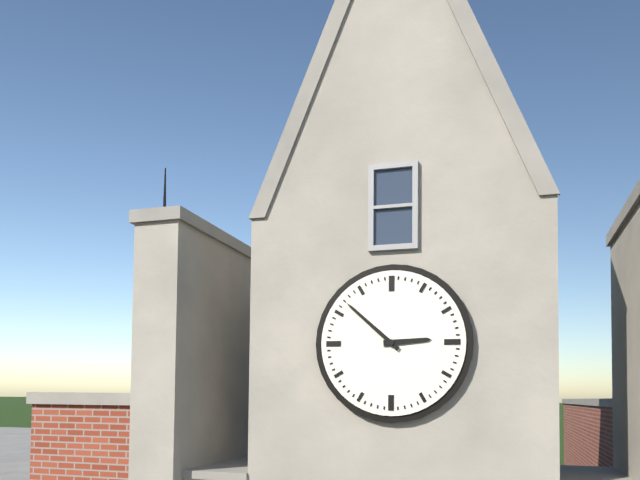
2:52
